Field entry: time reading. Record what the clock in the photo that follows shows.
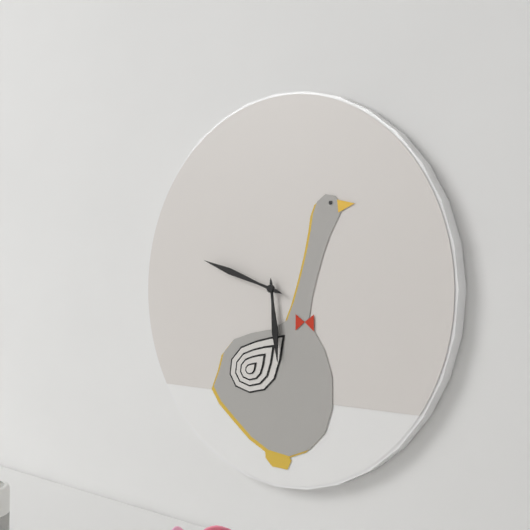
5:48
